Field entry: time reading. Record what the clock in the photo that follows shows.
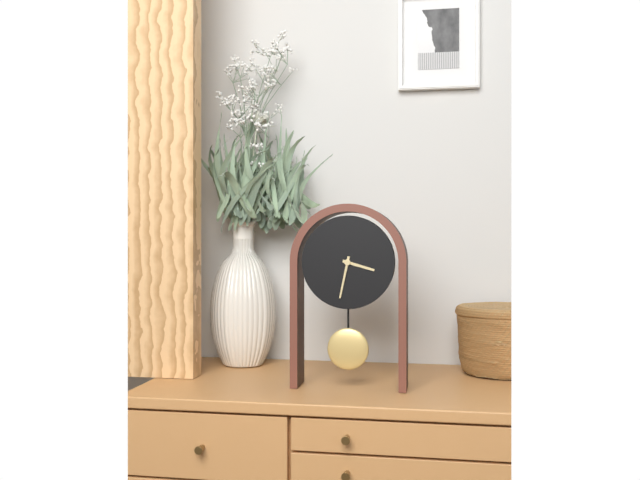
3:32
